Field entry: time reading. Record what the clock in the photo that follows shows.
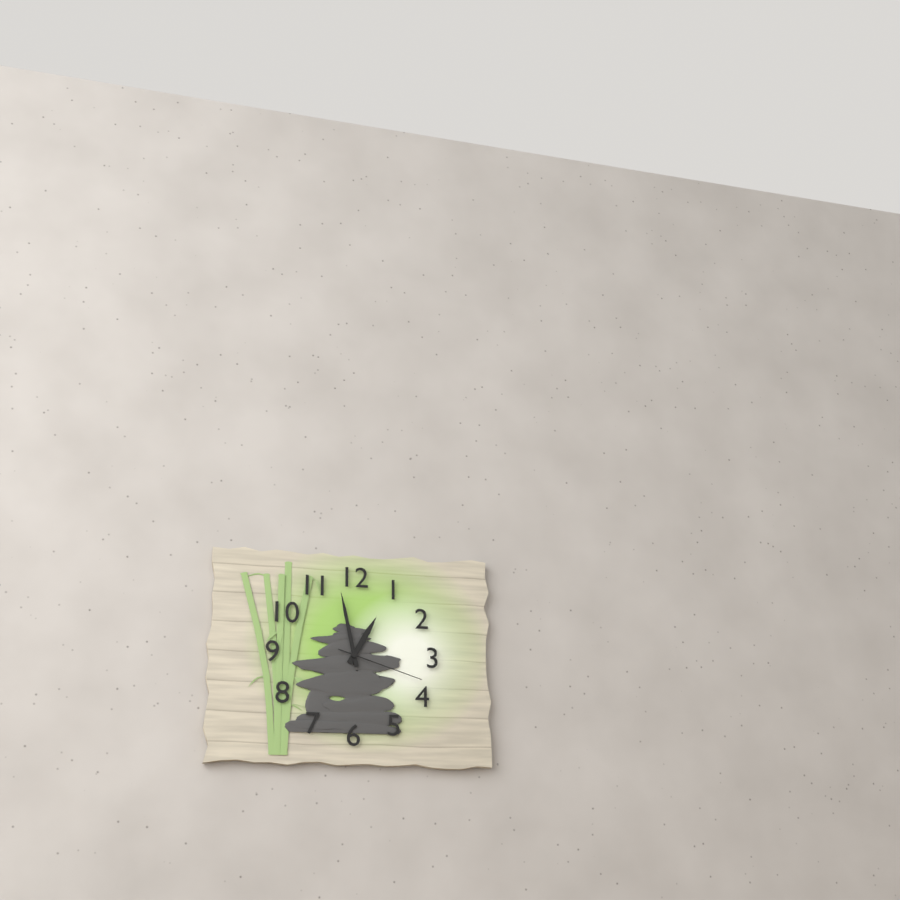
12:58:18
